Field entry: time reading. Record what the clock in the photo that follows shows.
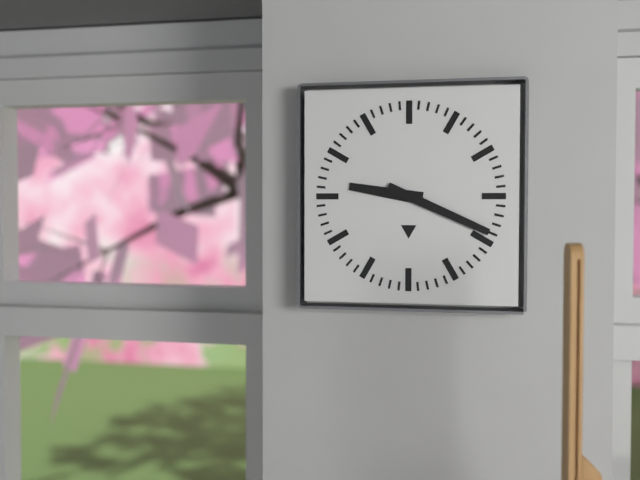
9:19
